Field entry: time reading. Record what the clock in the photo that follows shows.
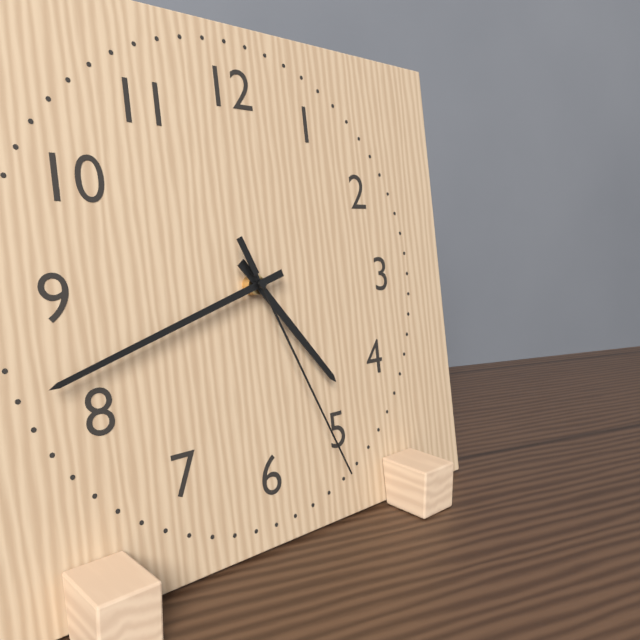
4:42:26
